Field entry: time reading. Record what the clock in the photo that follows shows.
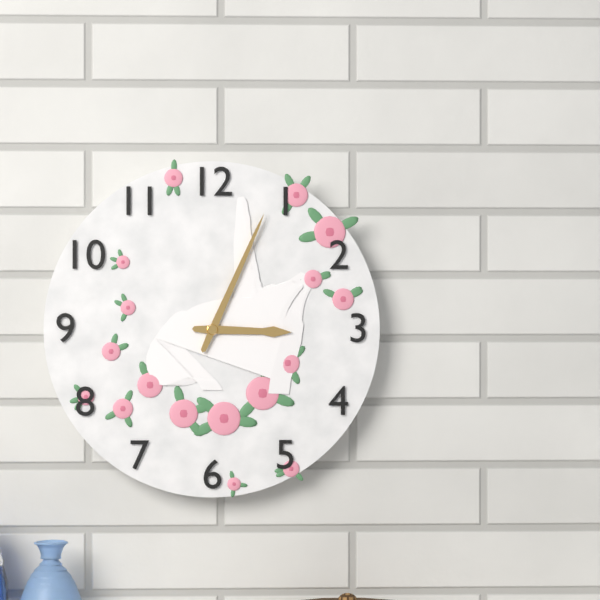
3:04
